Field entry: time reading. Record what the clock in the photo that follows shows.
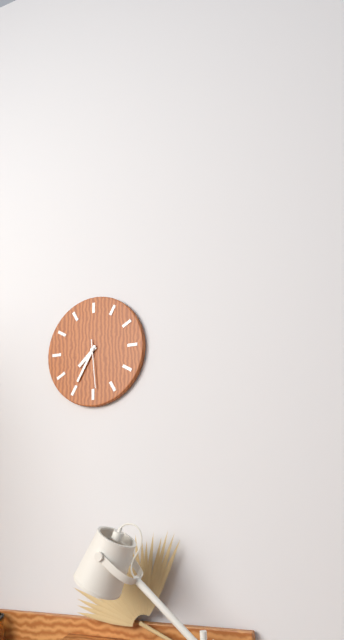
7:35
